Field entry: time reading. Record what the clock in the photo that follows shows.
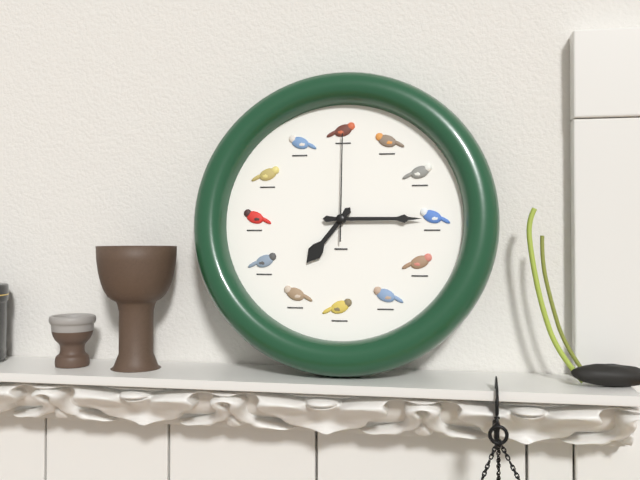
7:15:00
